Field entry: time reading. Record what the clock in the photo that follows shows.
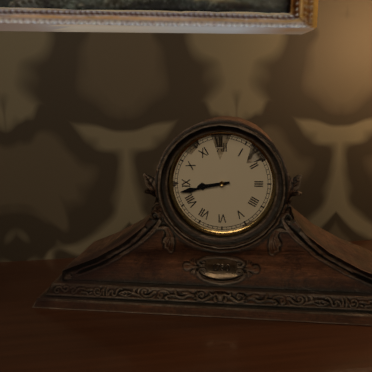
8:43
